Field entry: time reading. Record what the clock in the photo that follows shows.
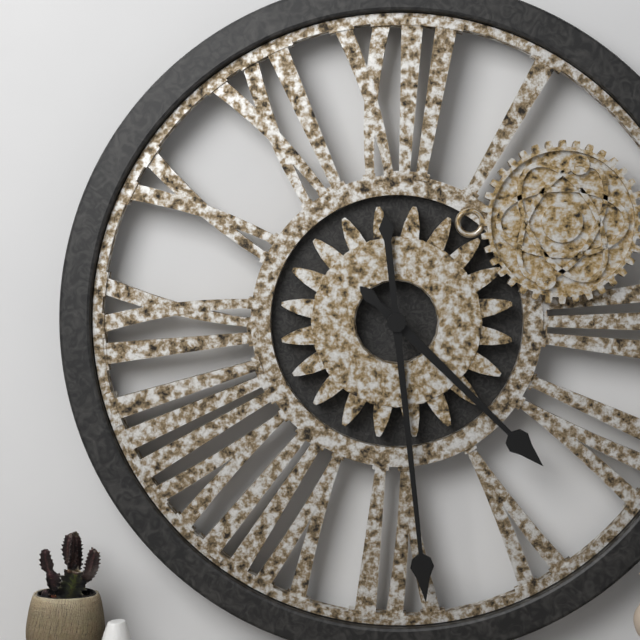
4:29
